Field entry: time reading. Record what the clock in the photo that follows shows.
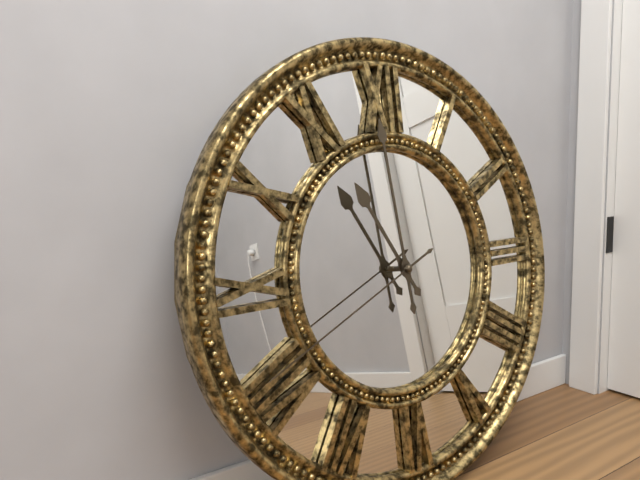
10:59:41
